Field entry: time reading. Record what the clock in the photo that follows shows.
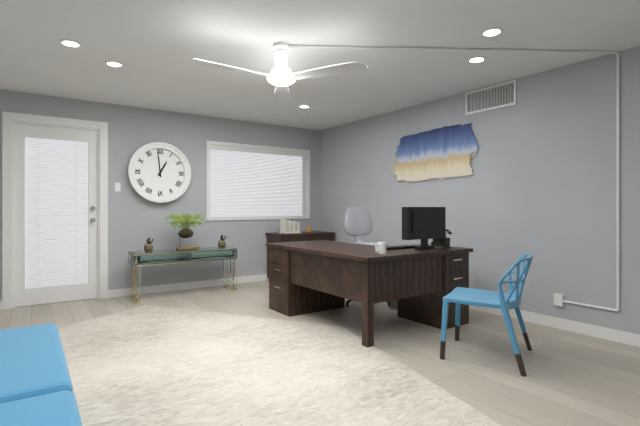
12:59
